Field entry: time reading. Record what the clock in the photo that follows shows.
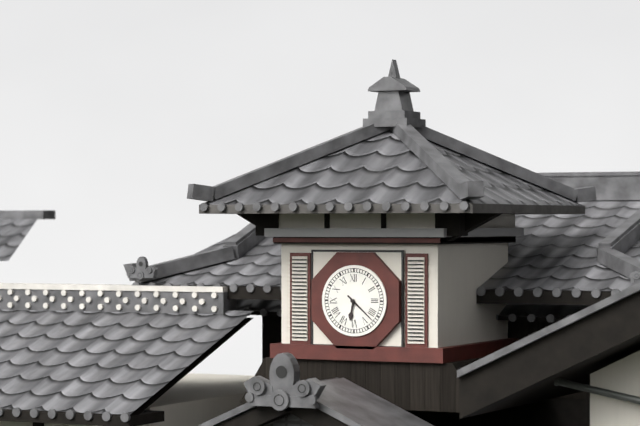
6:22
